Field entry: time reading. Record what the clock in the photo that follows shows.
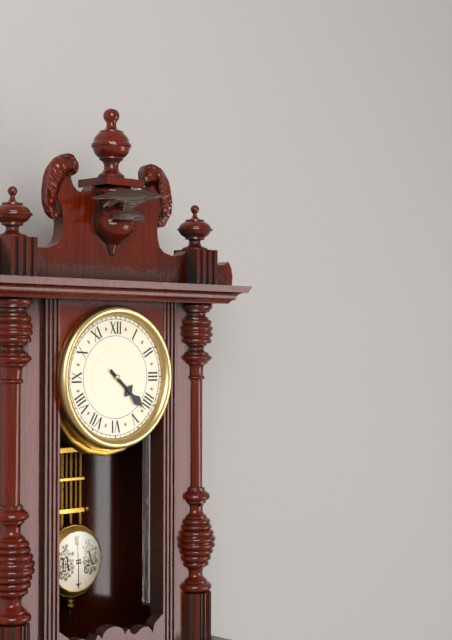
4:22
